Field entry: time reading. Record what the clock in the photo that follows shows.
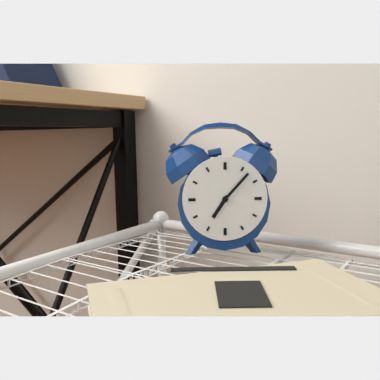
7:07
